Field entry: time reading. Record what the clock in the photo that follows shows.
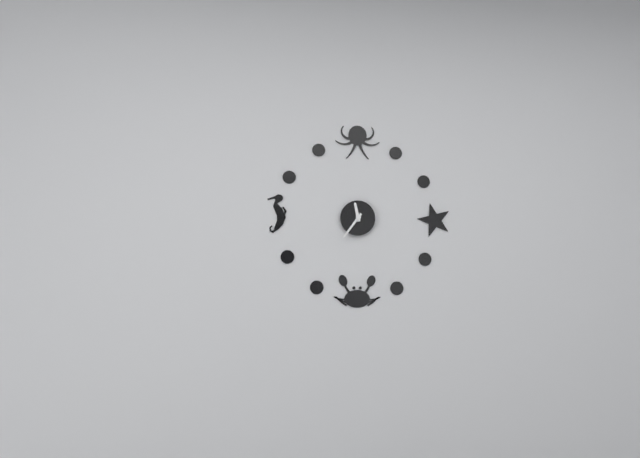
11:36
